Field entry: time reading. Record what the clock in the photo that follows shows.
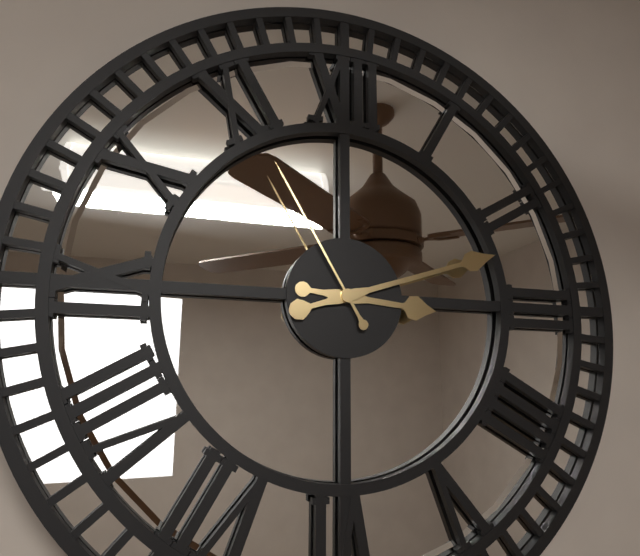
3:12:55
